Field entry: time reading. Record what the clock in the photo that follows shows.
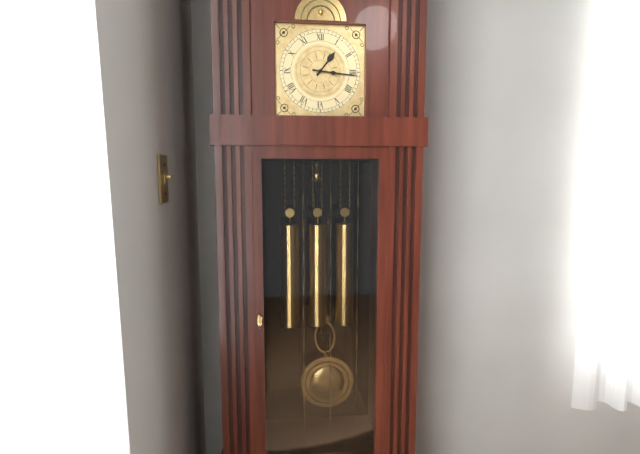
1:16
